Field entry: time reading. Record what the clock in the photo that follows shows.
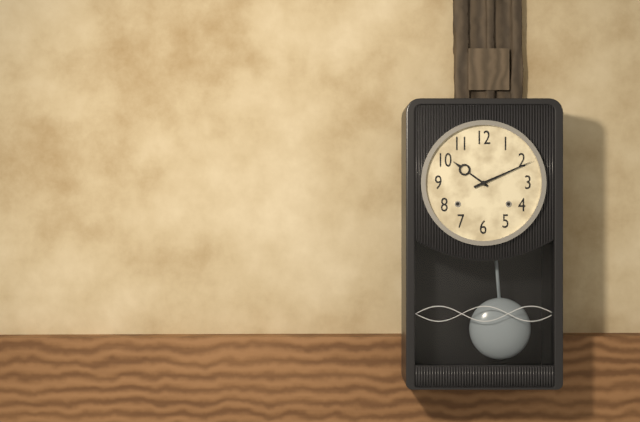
10:11
